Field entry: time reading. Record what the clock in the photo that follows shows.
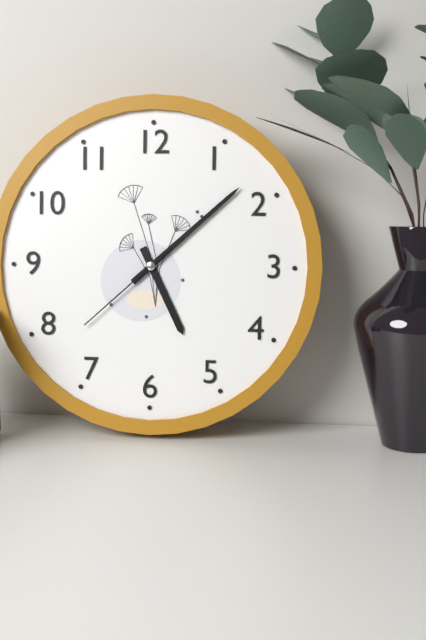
5:08:38
